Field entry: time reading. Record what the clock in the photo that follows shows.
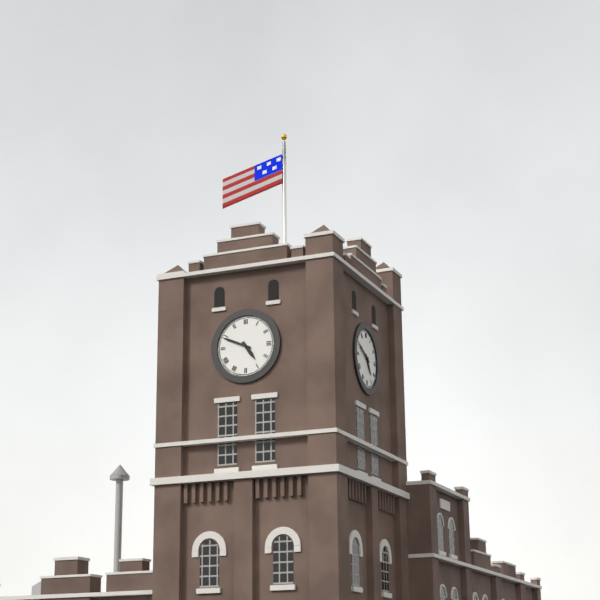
4:49
